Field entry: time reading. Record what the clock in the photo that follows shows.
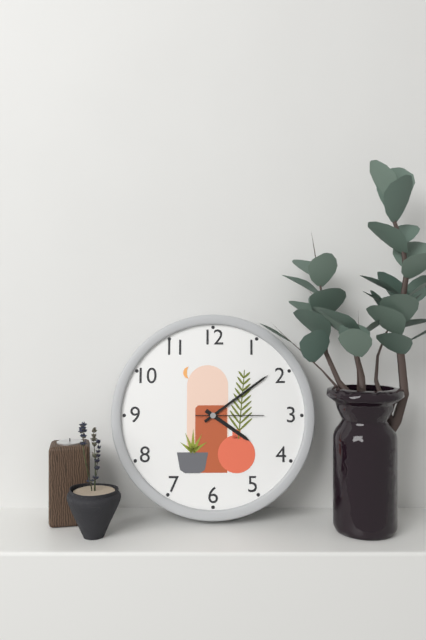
4:09:15
